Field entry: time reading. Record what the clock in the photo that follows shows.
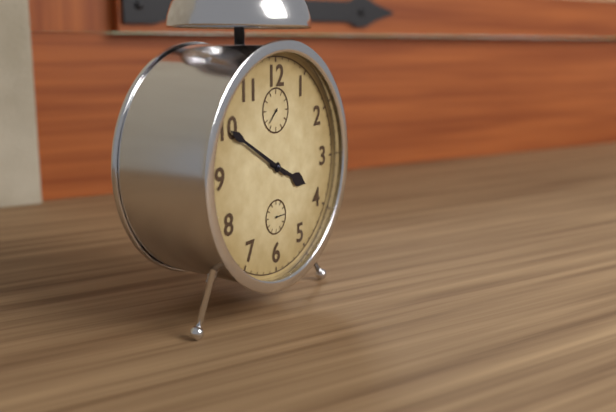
3:50
